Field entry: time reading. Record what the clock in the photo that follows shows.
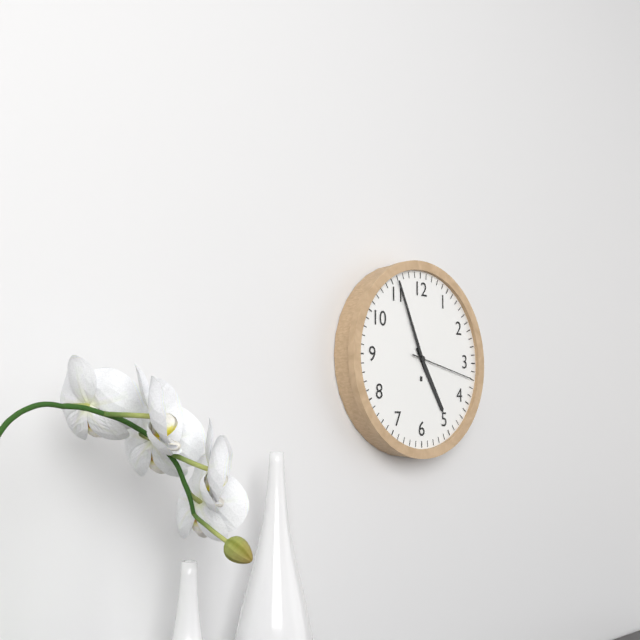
4:56:17
